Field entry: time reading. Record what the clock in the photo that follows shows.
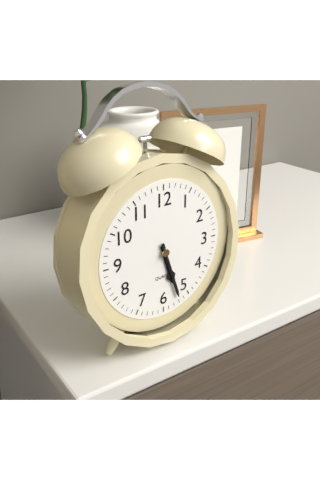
5:27
